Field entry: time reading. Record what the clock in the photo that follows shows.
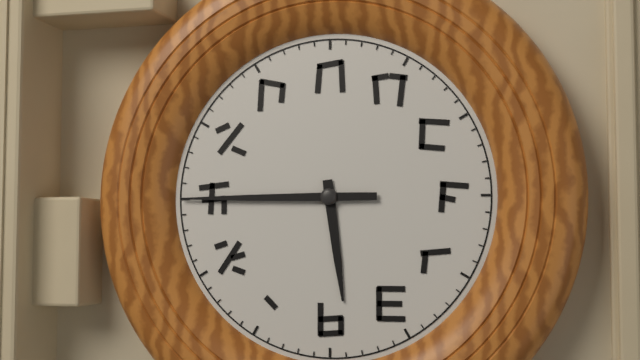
5:45
